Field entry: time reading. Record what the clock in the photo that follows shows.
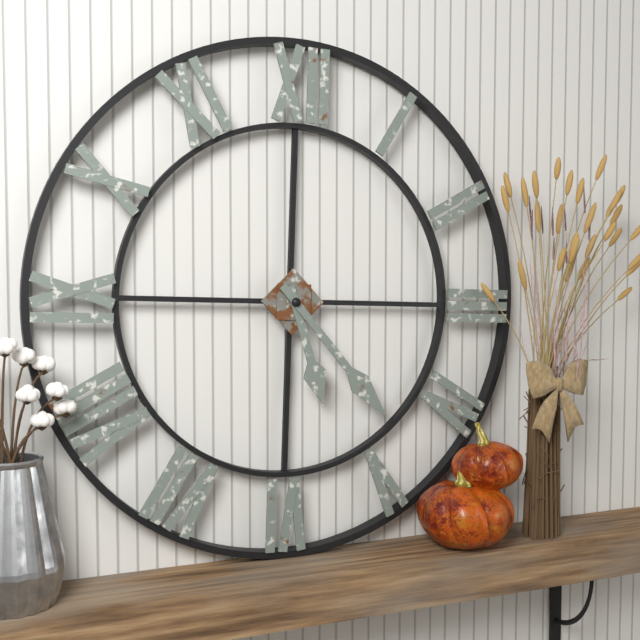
5:23
